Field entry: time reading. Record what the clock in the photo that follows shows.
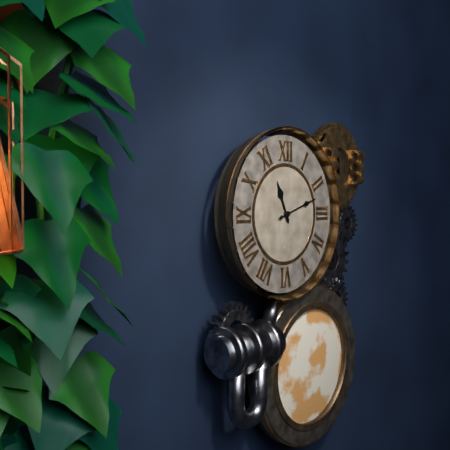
11:12
